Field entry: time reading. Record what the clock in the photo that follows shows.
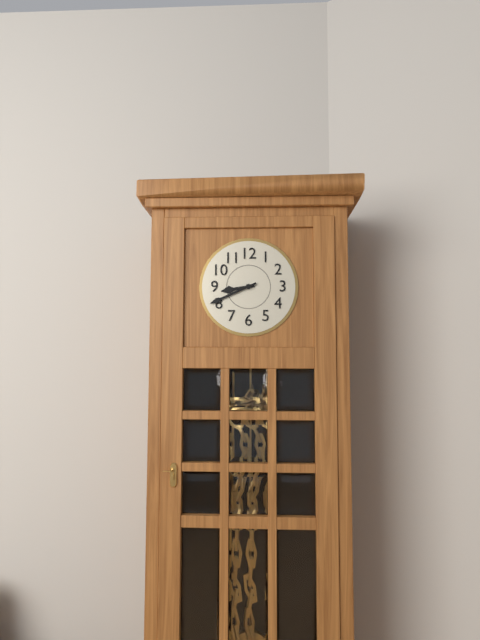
8:41
